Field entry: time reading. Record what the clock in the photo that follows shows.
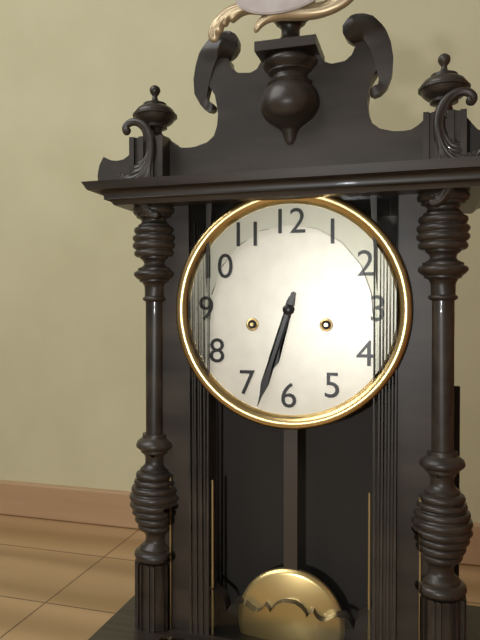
6:33
